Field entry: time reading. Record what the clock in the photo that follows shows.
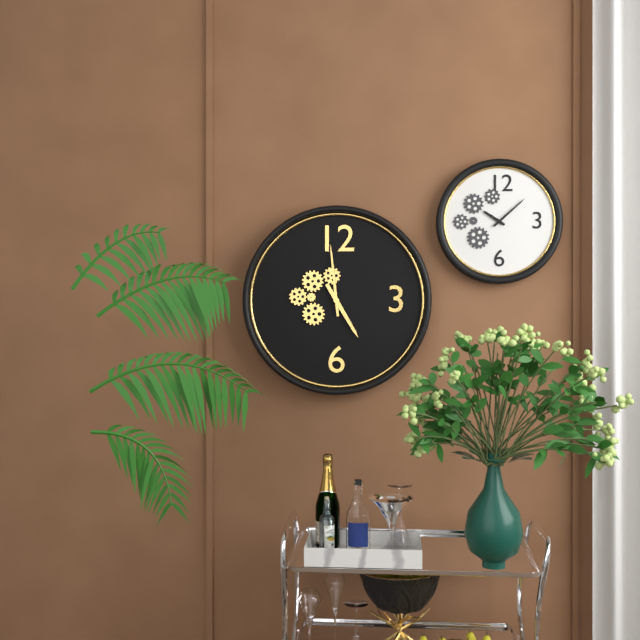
4:59
